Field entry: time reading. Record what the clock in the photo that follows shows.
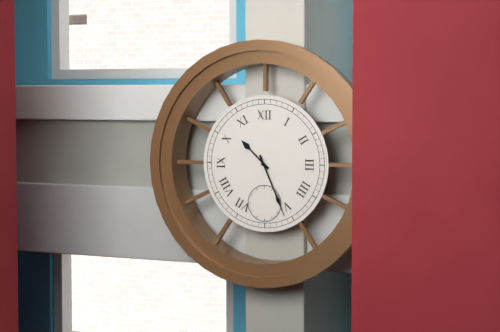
10:26
